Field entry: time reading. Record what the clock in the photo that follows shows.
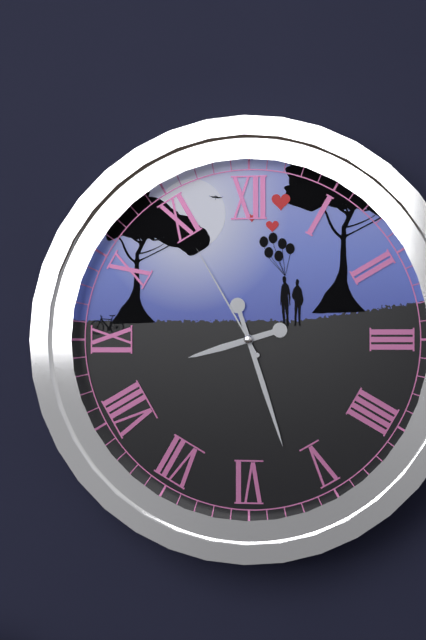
8:27:55
